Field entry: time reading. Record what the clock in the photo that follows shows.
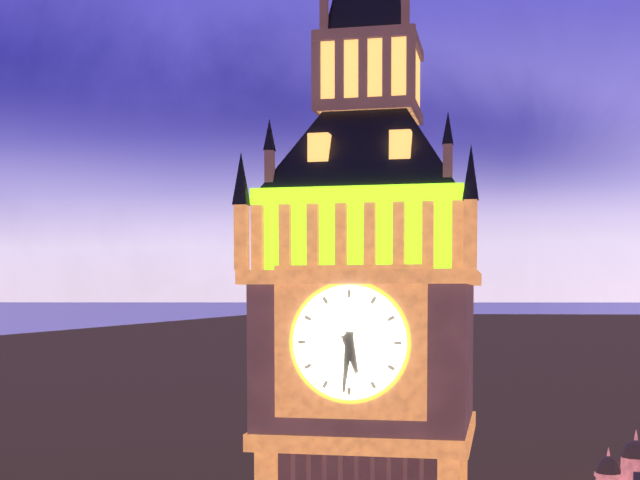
5:31
